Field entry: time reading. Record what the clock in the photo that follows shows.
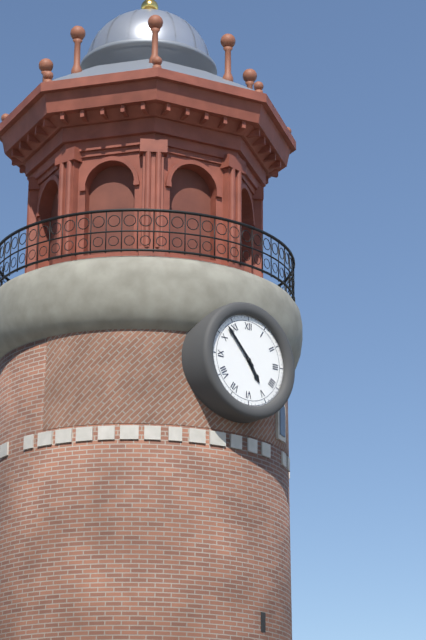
4:53
